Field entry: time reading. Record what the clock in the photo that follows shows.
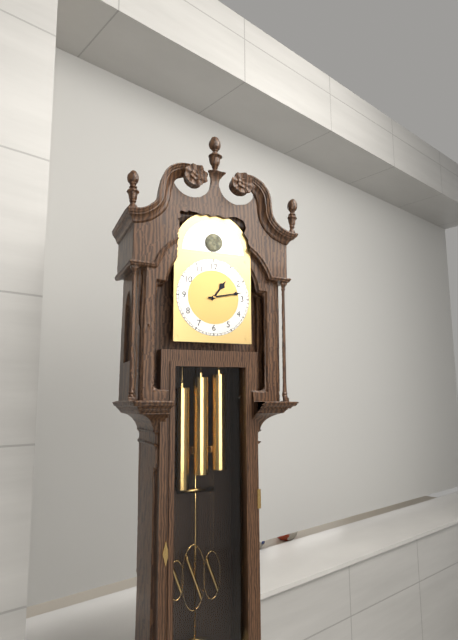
1:13
